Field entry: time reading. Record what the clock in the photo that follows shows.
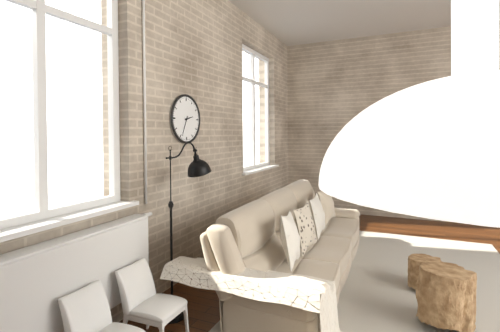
2:34
